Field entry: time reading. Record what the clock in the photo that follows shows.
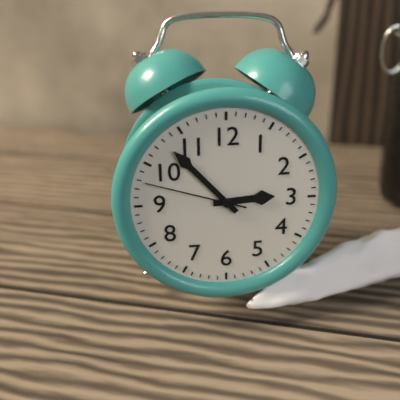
2:53:48
